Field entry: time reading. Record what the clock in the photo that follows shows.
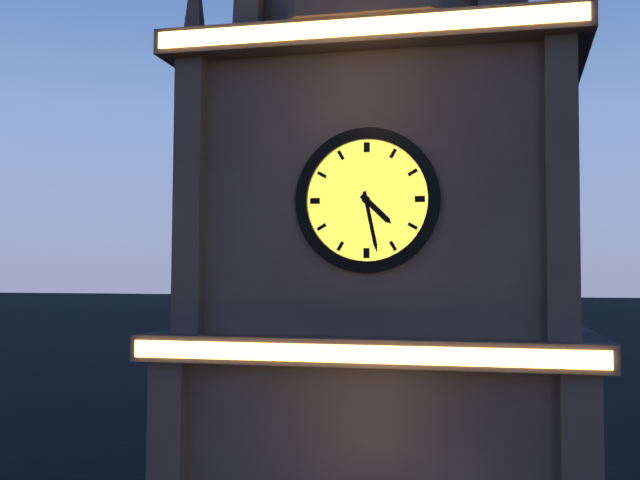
4:28
